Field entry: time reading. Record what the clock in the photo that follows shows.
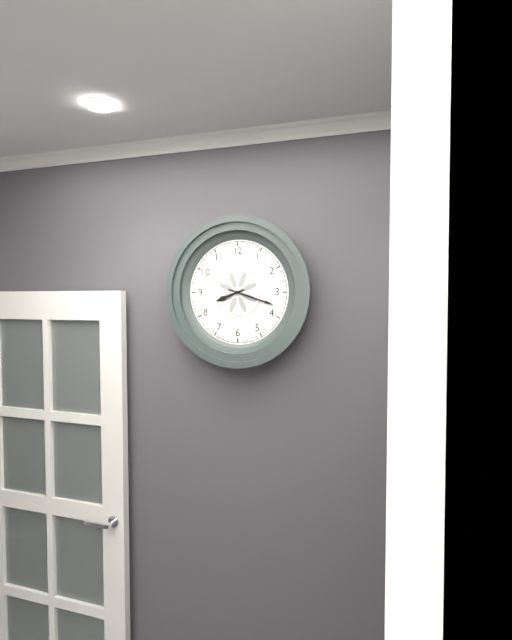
8:18
